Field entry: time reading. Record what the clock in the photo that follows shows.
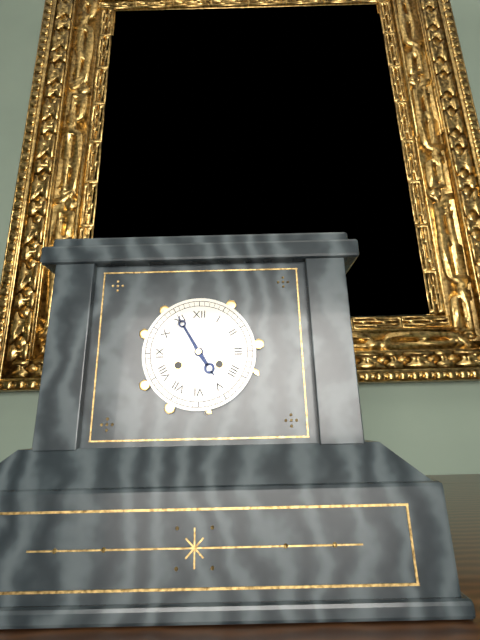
4:55
